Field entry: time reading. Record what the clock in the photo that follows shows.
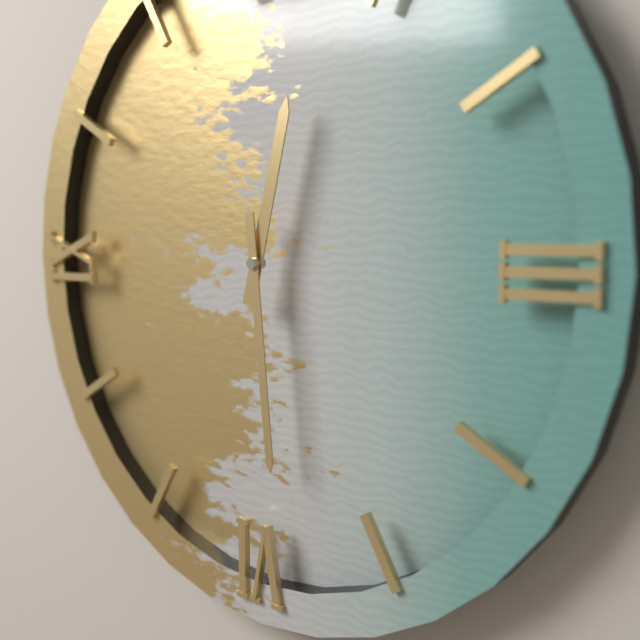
12:29
